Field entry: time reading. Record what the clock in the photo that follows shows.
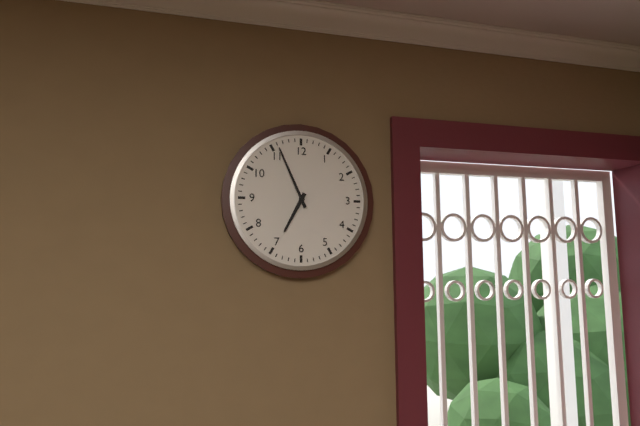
6:56
